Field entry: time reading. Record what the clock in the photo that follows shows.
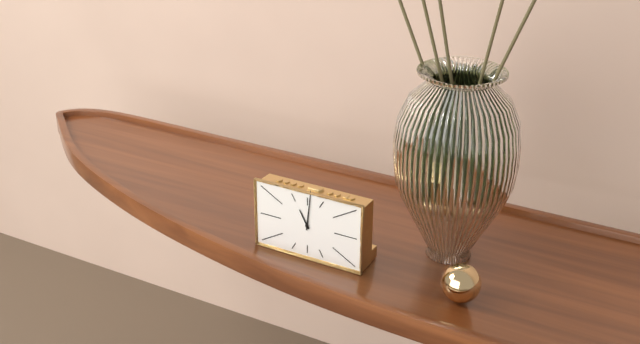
11:01
